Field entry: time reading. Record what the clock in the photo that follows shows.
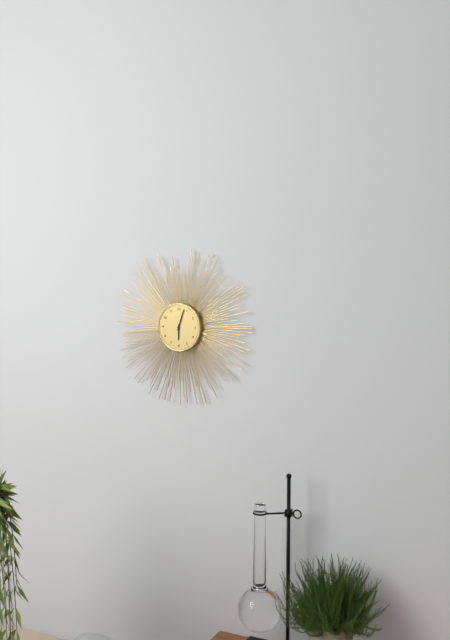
6:03
